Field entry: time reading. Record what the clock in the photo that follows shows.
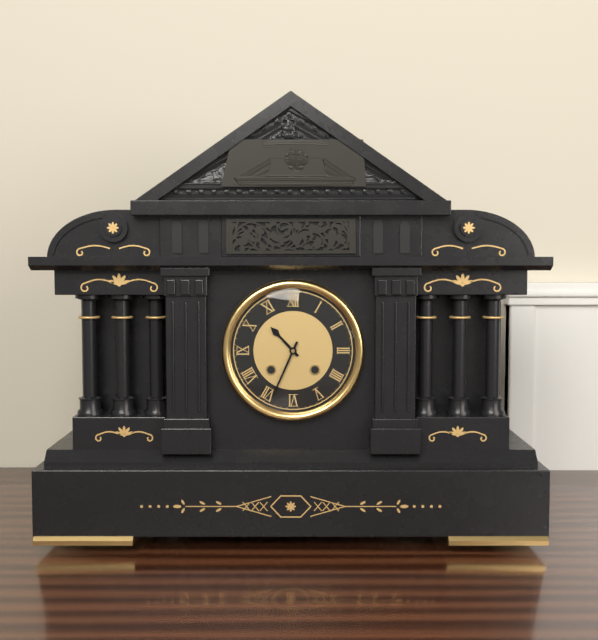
10:34
